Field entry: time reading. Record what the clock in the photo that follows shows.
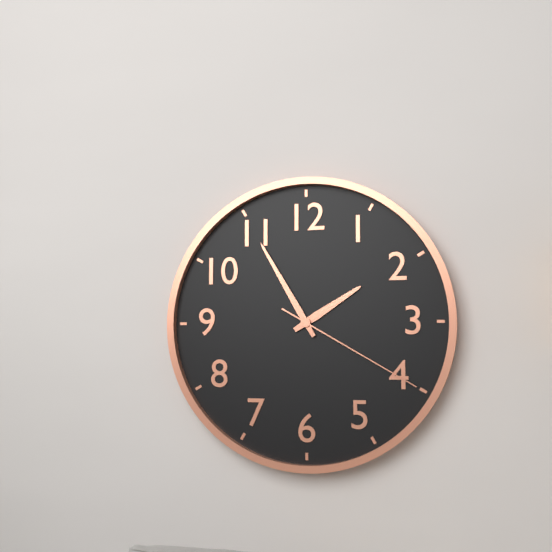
1:55:20
